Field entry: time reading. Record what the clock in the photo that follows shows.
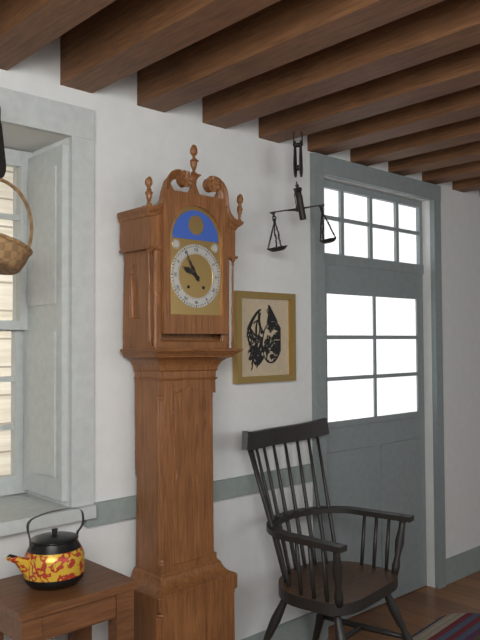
9:55
